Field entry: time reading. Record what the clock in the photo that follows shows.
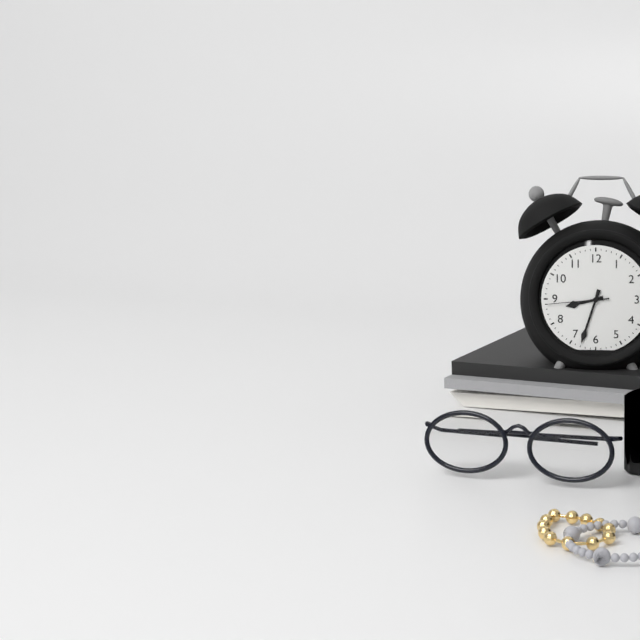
8:33:44
